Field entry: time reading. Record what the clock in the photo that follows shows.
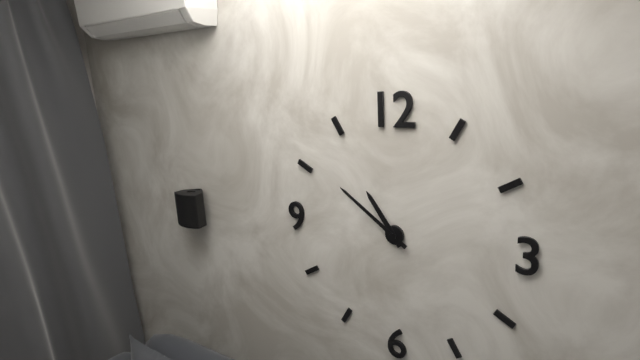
10:51
